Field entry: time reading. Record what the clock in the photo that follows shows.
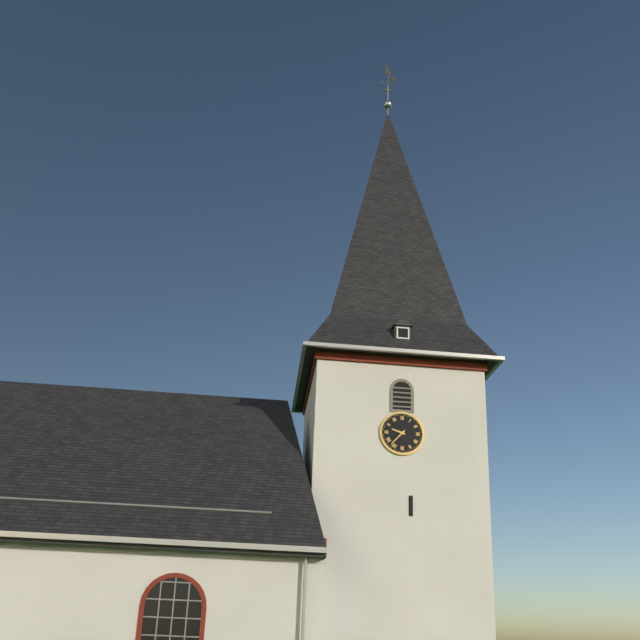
9:37
